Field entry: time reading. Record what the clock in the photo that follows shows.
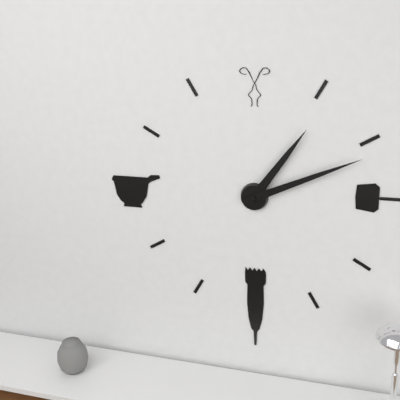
1:11
